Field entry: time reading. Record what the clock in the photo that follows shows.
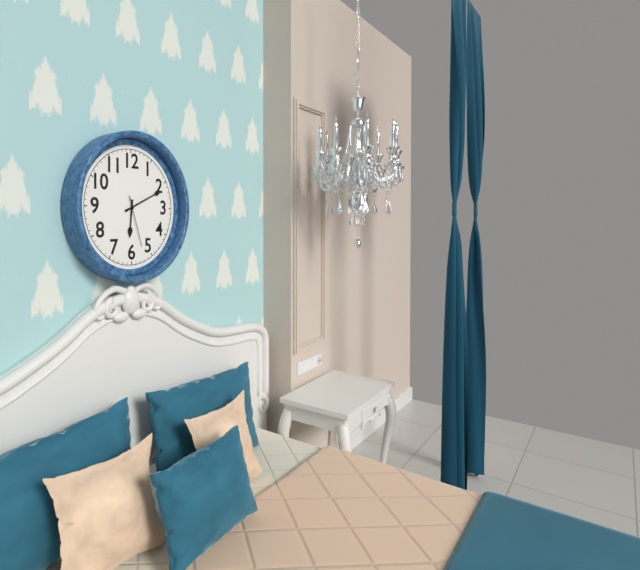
6:11:27
